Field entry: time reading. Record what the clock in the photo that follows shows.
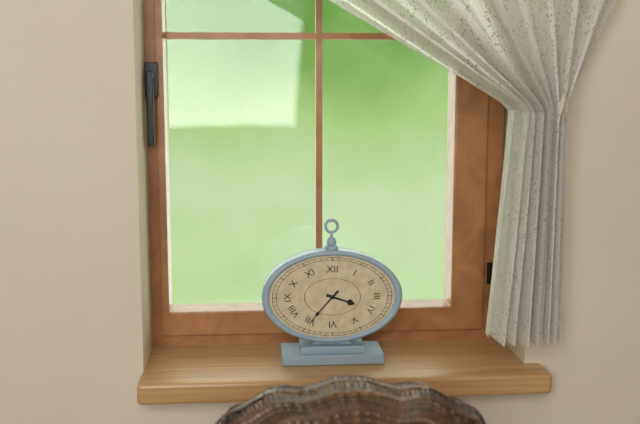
3:37
